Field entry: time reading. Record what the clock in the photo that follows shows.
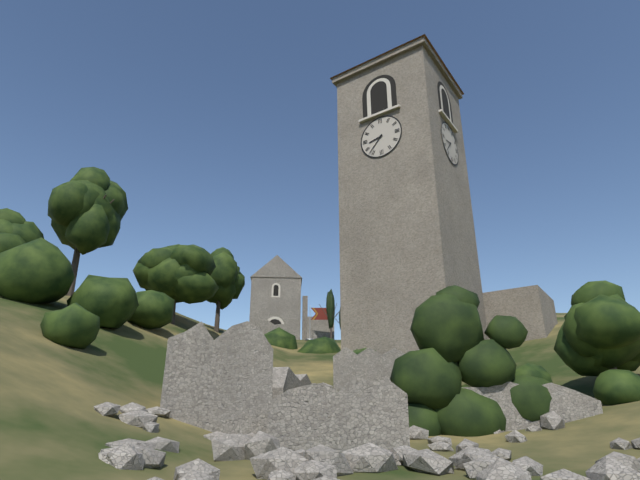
8:37
